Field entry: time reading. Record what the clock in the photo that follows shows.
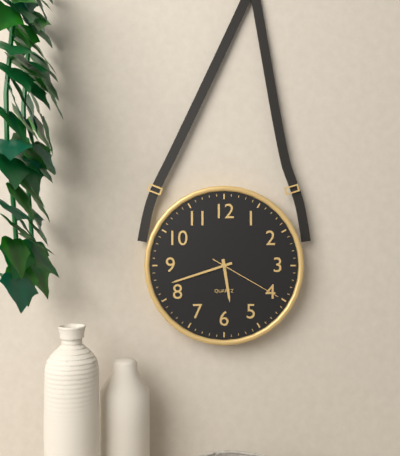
5:42:20
